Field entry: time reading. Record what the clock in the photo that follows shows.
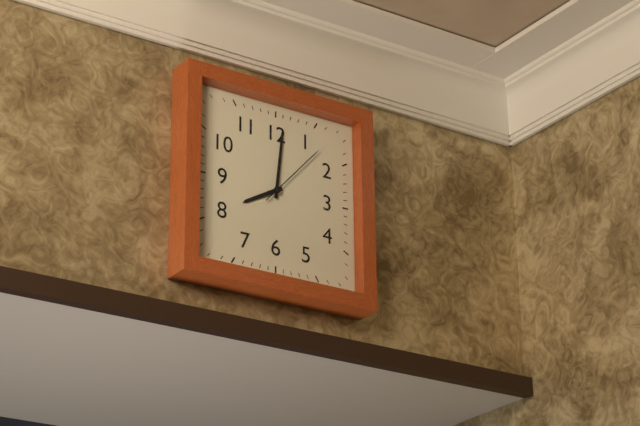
8:01:07
